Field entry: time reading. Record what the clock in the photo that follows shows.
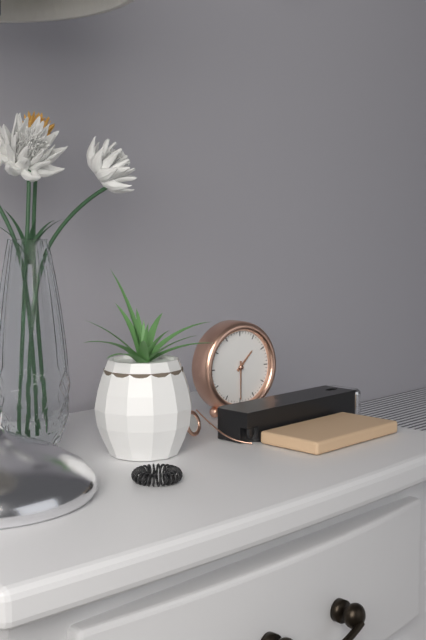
1:30
